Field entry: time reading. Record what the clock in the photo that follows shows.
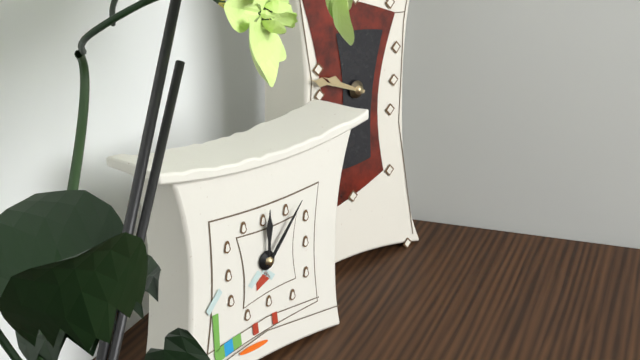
9:48
